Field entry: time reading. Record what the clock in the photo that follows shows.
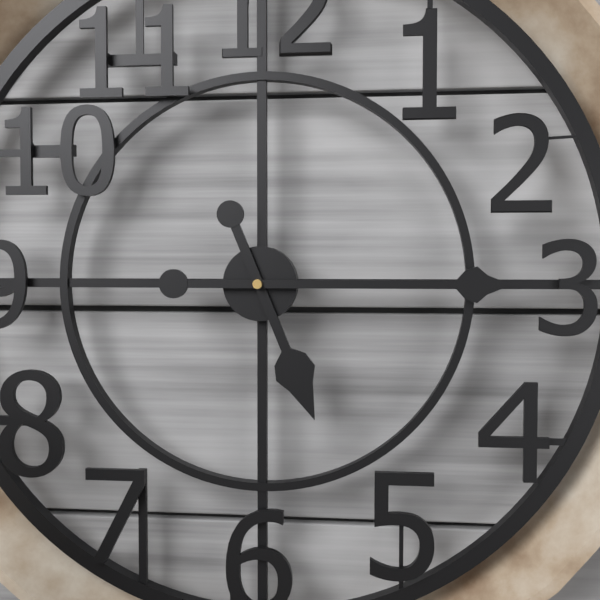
5:15
